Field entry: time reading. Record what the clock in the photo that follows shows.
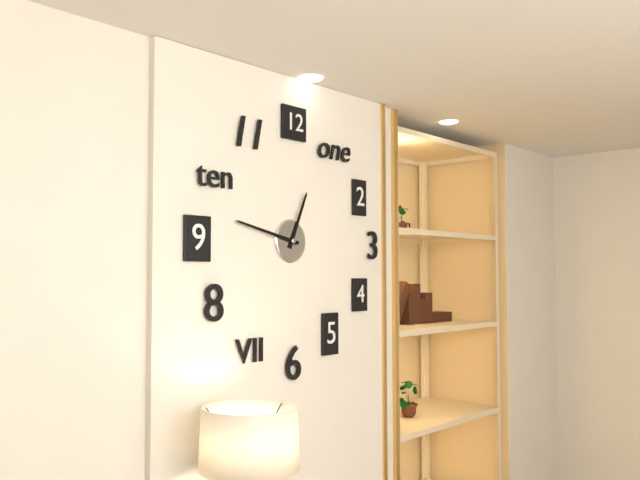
12:47
